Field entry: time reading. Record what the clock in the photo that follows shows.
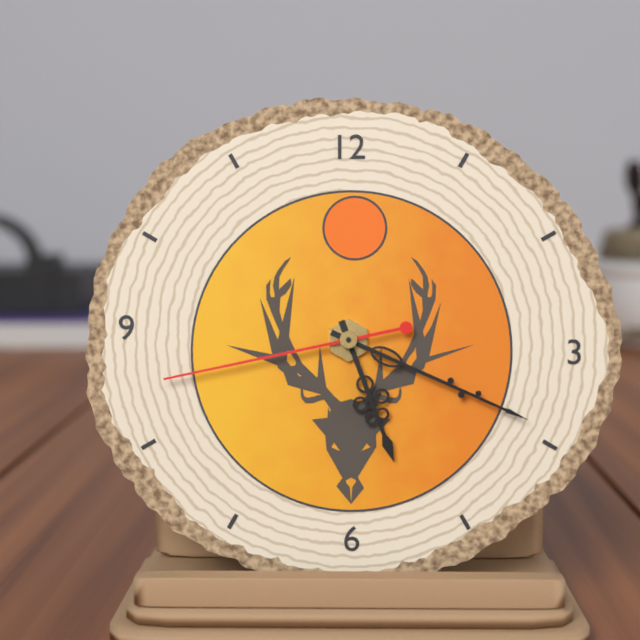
5:19:43
